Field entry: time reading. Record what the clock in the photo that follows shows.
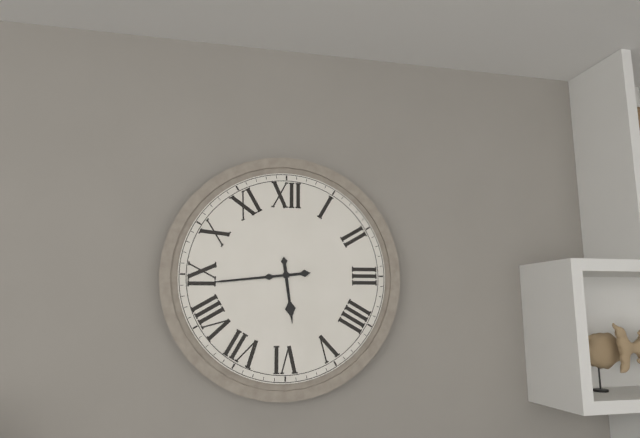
5:44
